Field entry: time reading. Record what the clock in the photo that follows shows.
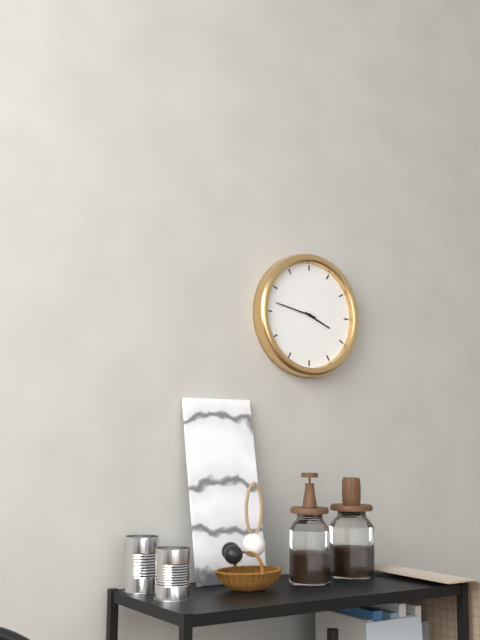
3:47
